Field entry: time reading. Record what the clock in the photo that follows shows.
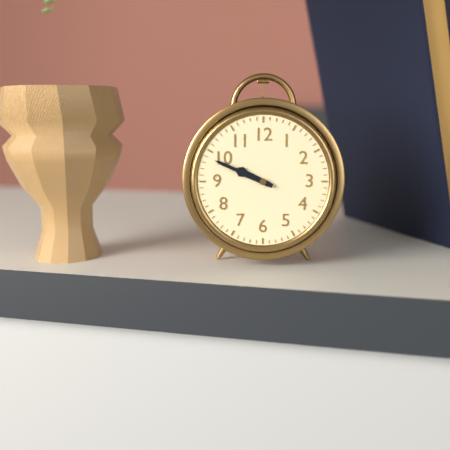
9:49
